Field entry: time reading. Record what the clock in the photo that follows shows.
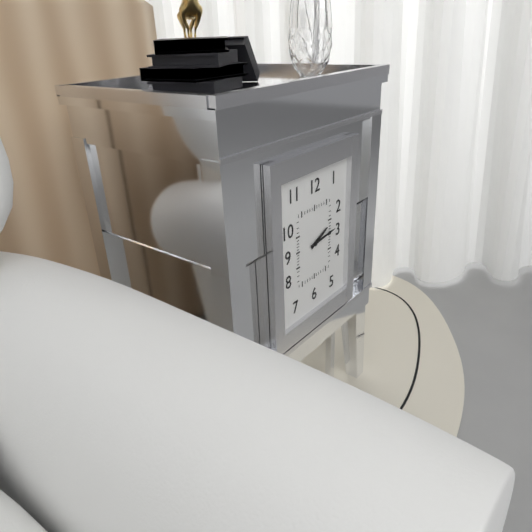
2:14
